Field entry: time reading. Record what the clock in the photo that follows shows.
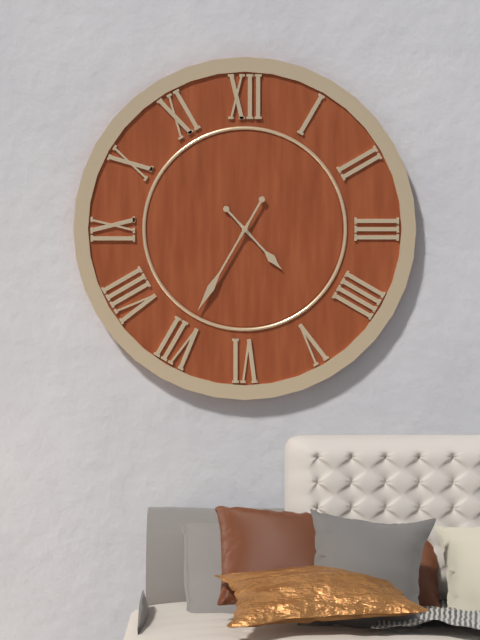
4:35
